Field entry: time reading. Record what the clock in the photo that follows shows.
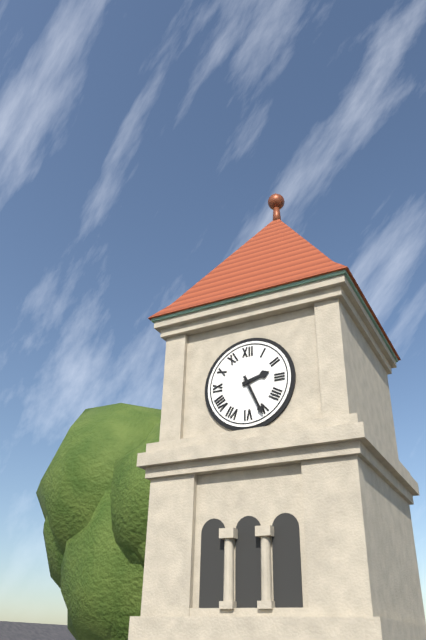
2:26
